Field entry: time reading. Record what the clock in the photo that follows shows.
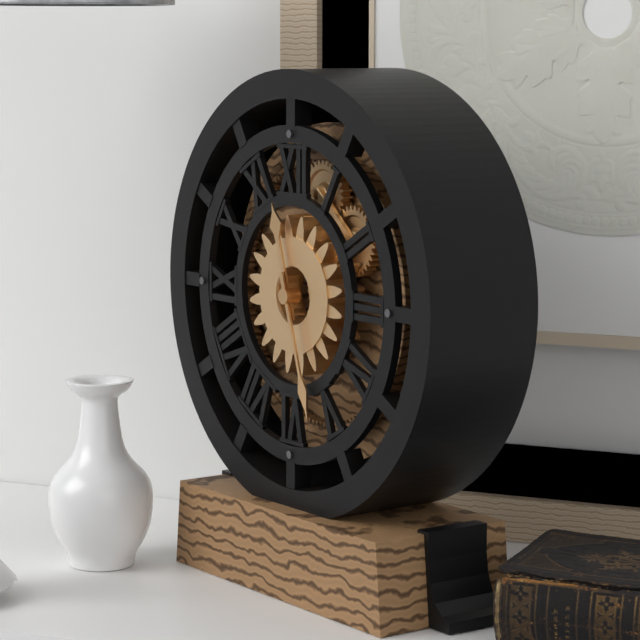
11:27
